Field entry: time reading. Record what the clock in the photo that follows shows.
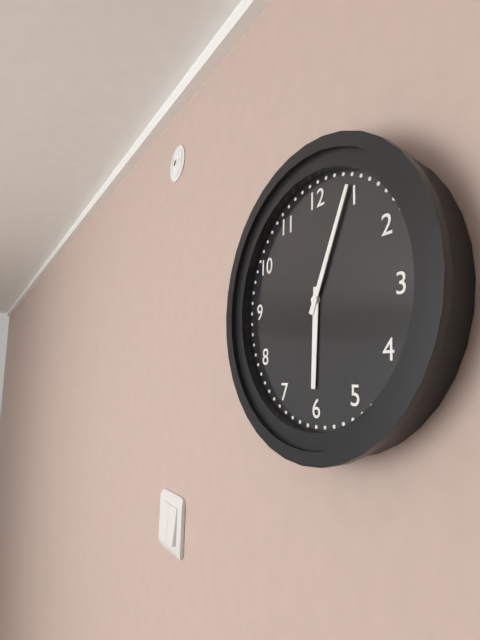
6:04
